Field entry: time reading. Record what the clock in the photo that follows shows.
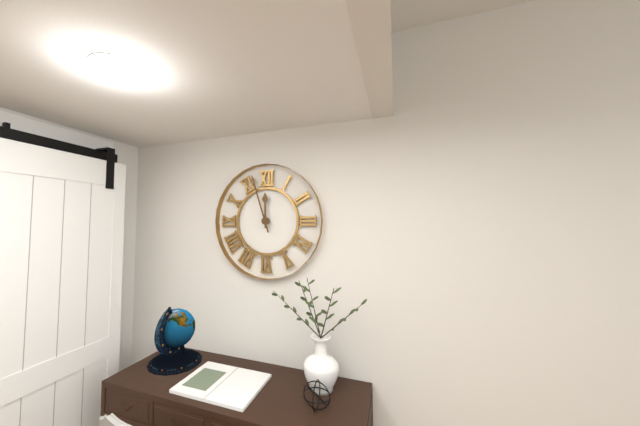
11:57
